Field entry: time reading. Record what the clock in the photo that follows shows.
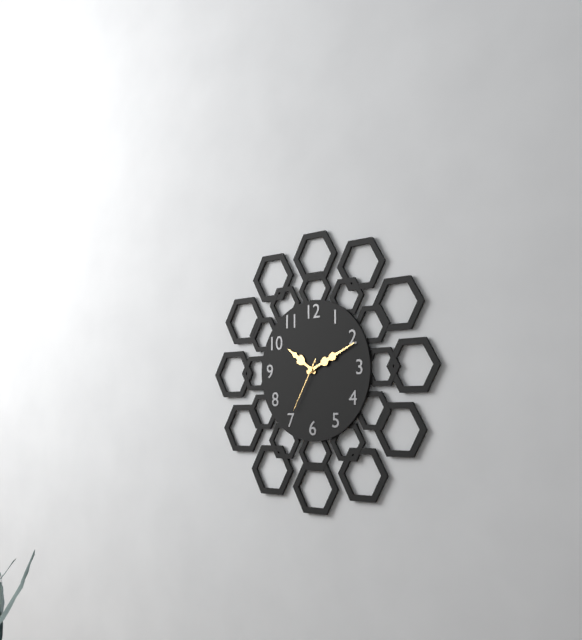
10:11:35
